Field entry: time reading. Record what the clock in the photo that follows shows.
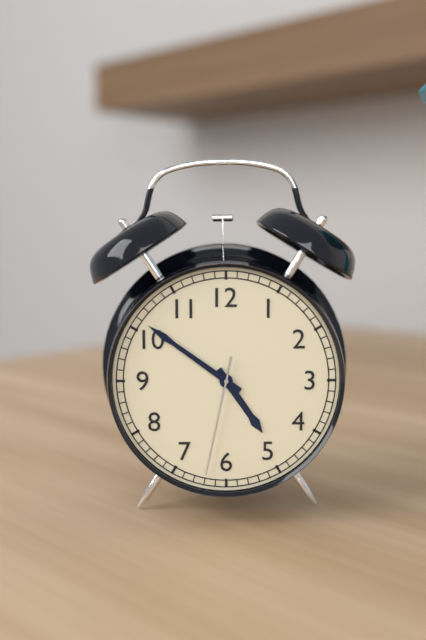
4:51:32
